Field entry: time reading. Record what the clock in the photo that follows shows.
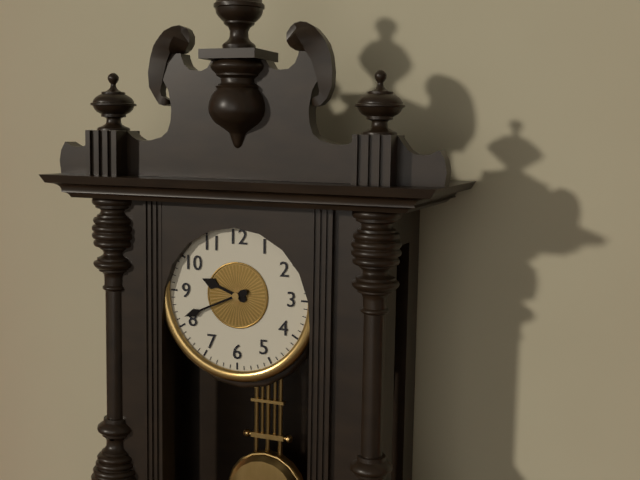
9:41
